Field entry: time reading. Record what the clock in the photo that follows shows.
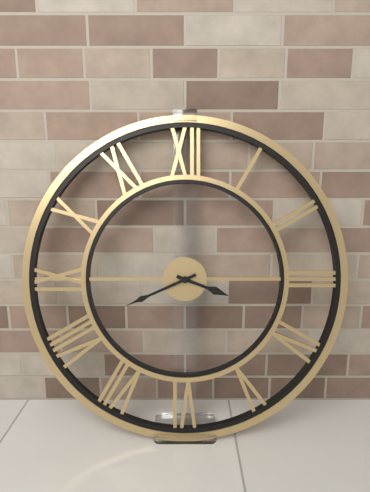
3:41
